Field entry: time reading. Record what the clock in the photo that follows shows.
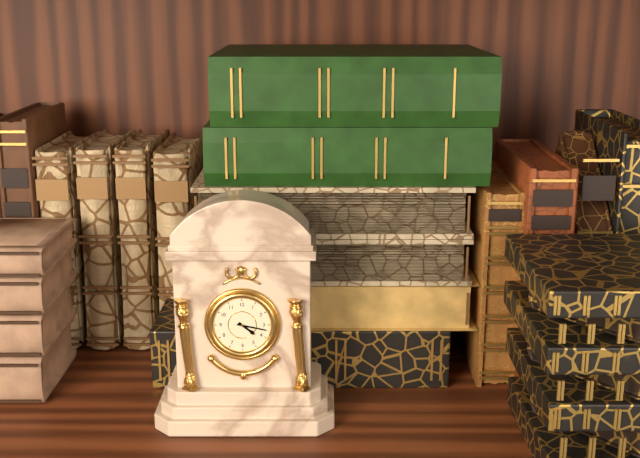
4:17
